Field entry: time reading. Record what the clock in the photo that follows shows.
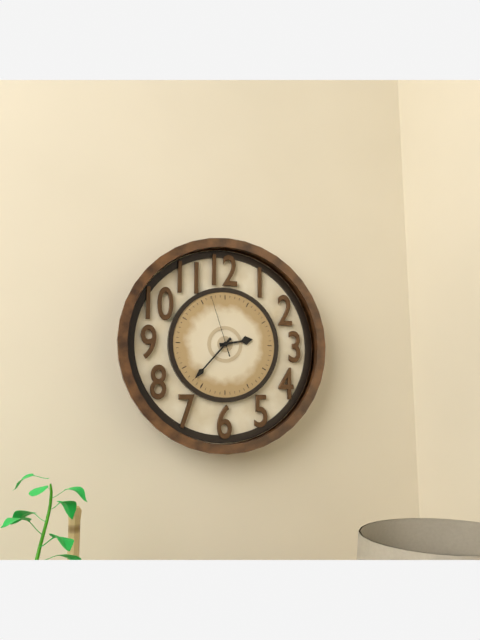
2:37:57
